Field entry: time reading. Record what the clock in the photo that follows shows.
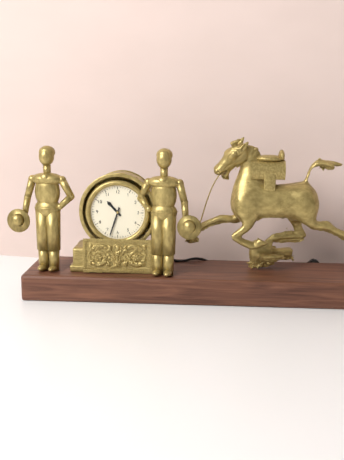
10:33
